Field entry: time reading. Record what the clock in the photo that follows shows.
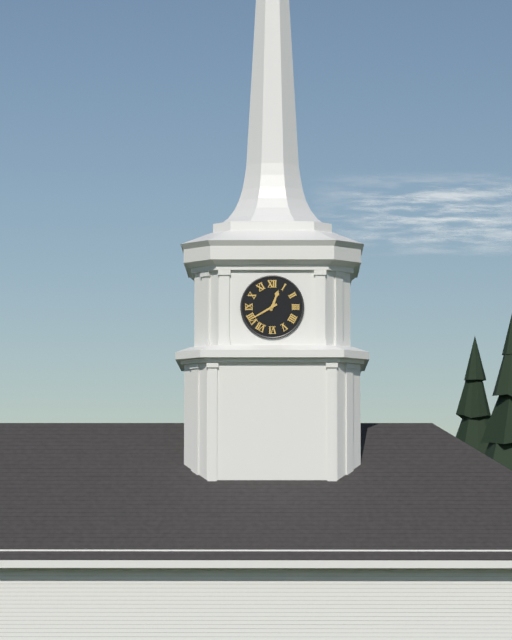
12:40
